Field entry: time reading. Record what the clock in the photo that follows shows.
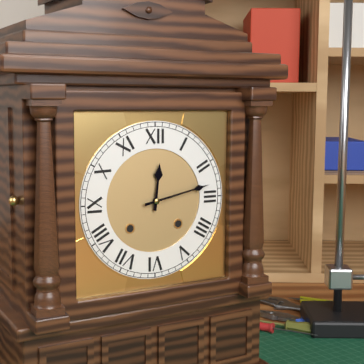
12:13
